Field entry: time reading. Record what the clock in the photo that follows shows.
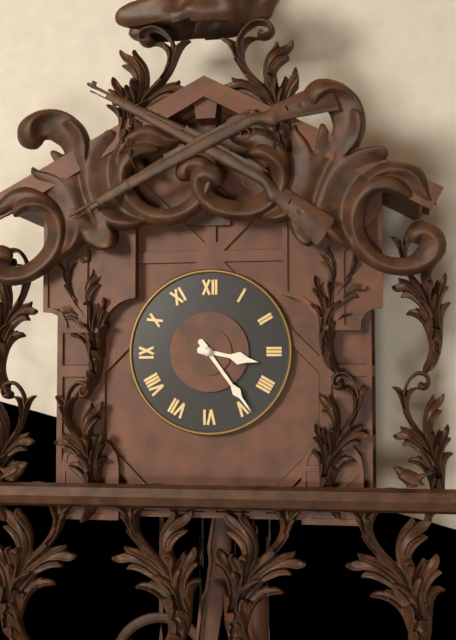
3:24
